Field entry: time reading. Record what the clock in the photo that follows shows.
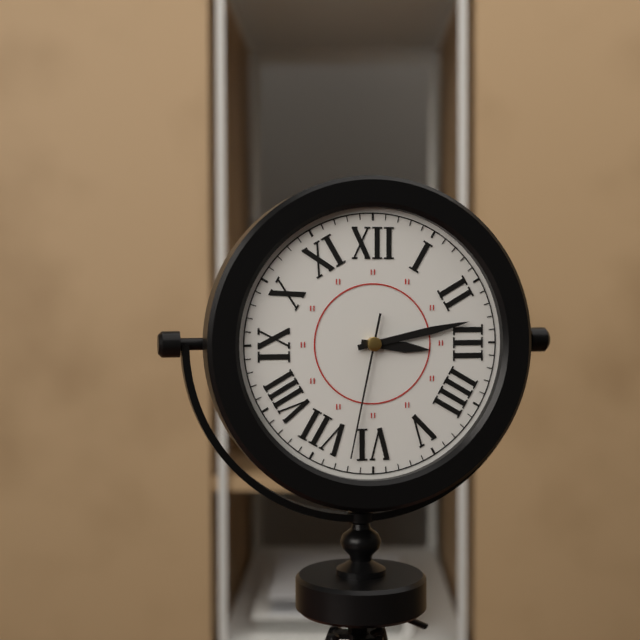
3:13:32
